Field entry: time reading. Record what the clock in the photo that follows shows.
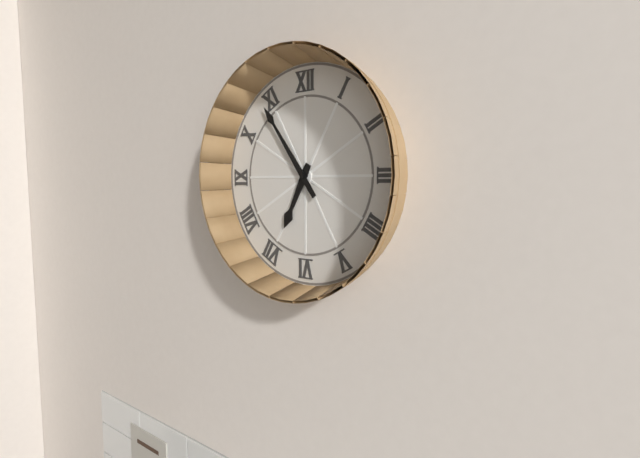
6:54
